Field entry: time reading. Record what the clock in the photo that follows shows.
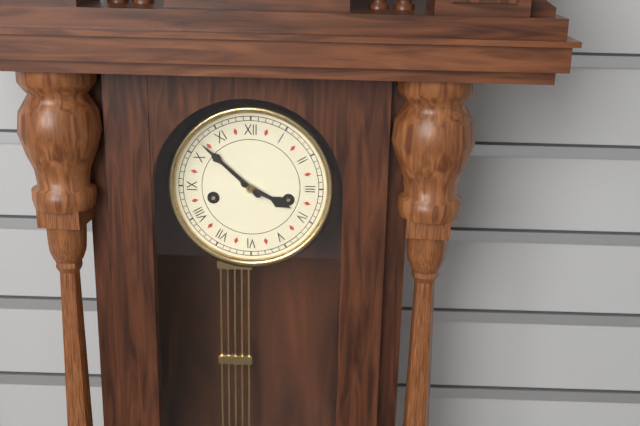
3:52
